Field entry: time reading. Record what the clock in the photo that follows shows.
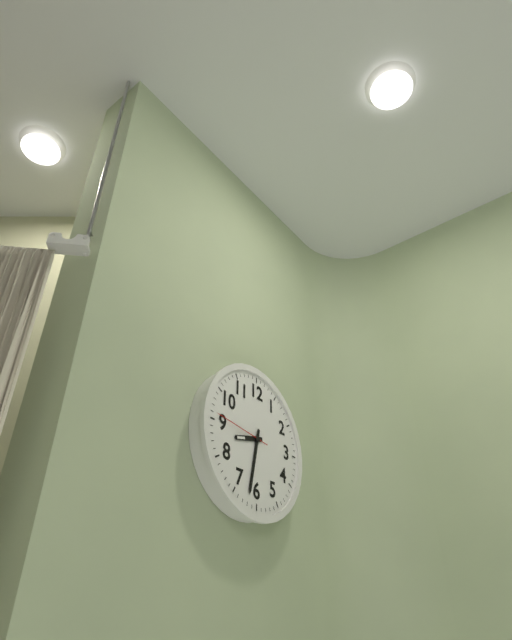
8:32:46
